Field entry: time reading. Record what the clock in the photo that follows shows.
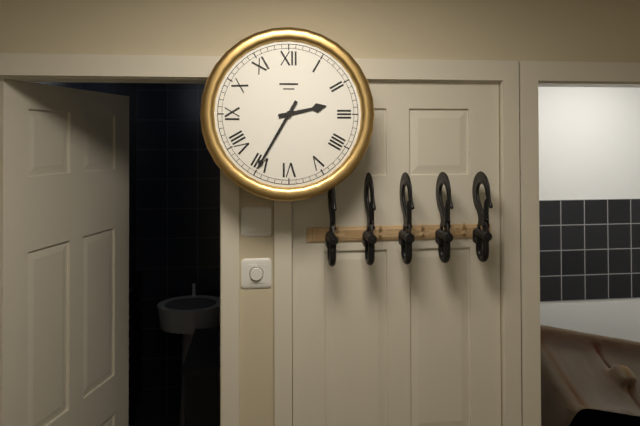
2:35
